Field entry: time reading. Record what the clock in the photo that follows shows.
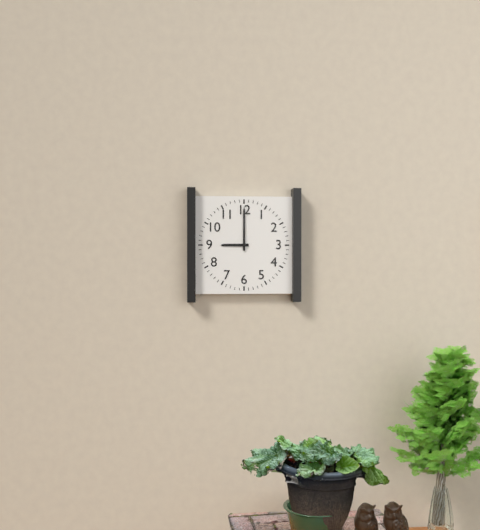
9:00
